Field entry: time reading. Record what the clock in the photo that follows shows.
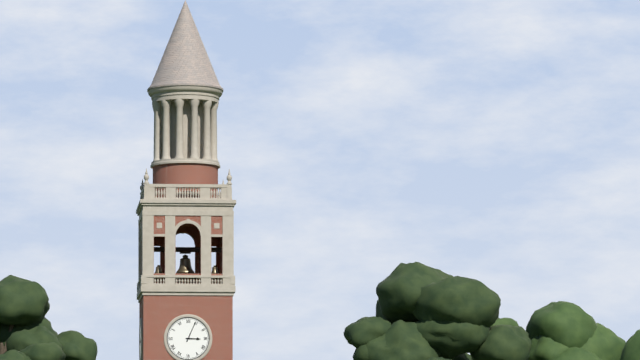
3:04
